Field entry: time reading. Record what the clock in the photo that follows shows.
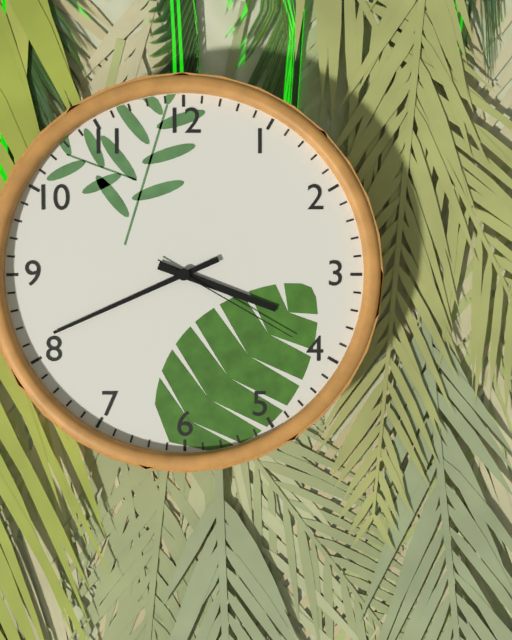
3:41:20
